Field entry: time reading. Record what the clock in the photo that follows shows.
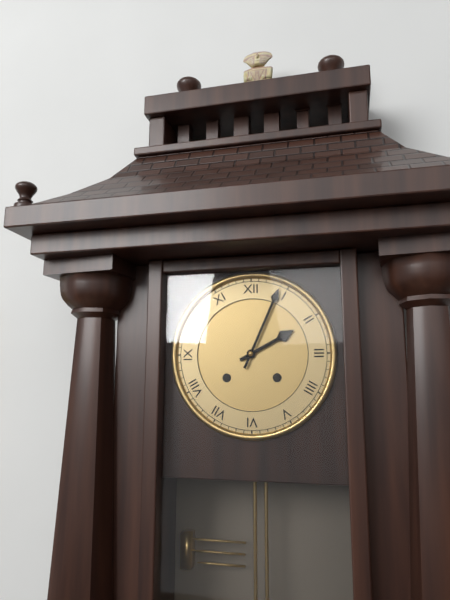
2:04
